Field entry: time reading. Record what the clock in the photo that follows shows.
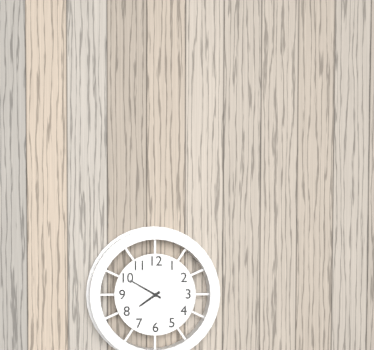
7:50
